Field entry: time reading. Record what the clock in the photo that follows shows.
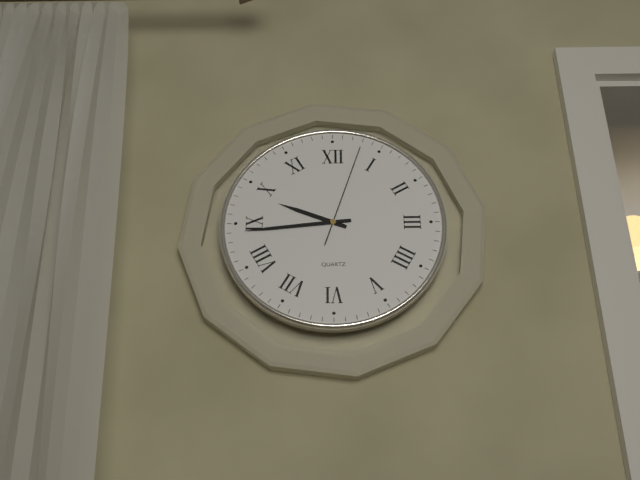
9:44:03
